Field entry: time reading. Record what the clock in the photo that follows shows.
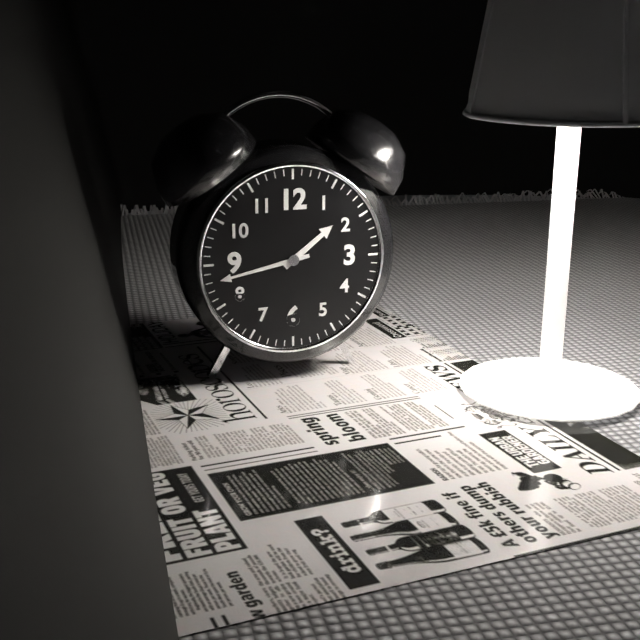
1:43
